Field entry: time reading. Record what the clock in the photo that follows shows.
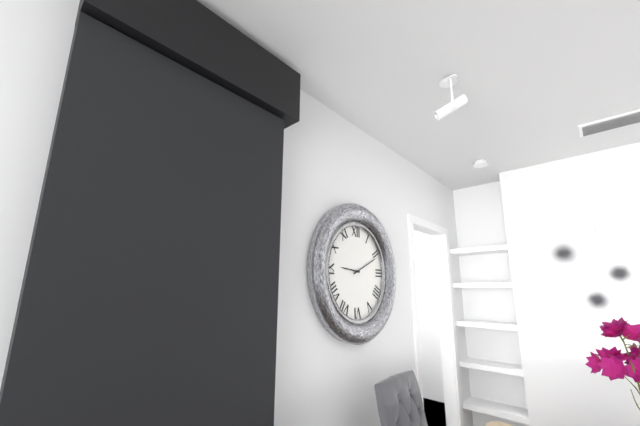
9:11
